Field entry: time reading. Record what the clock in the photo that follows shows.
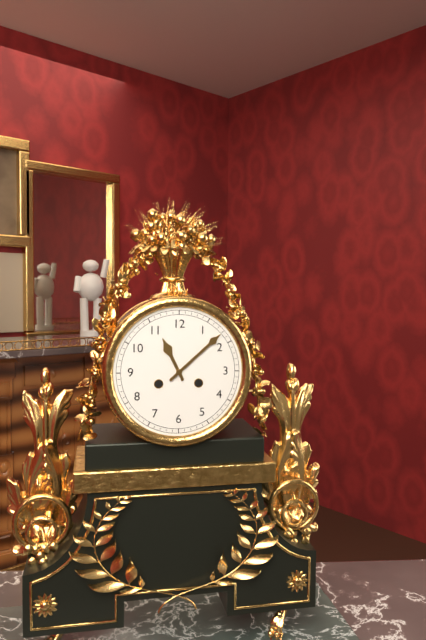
11:08
